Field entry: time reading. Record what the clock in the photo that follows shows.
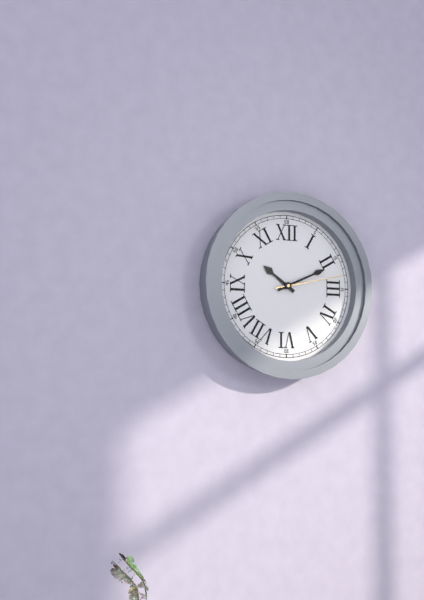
10:11:13
